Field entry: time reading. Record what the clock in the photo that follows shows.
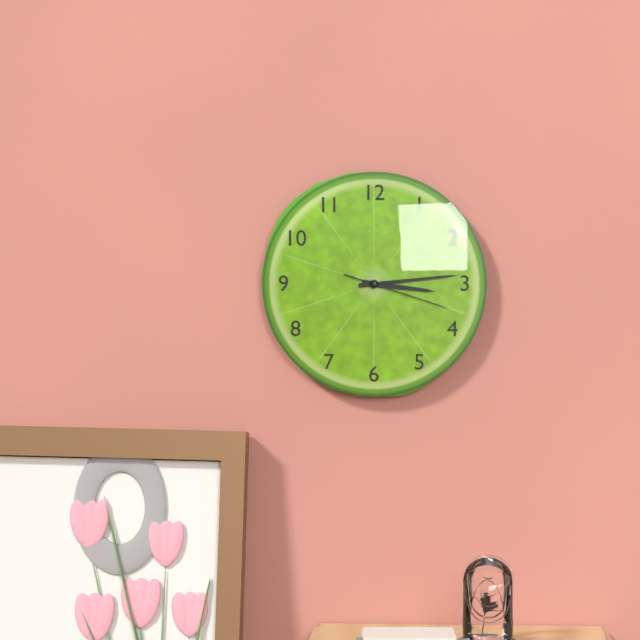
3:14:18
